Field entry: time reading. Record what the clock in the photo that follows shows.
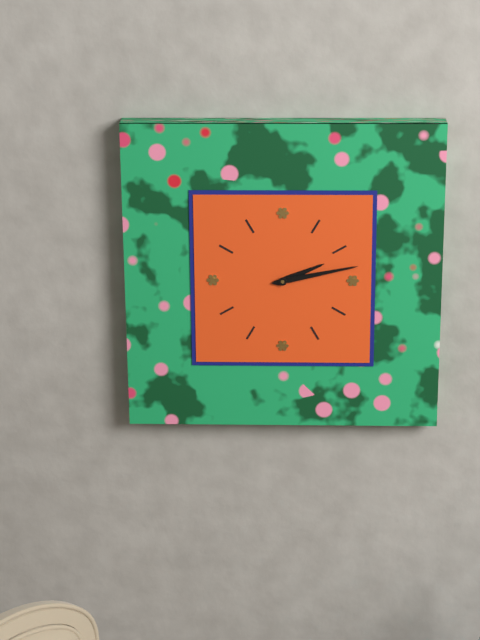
2:13
